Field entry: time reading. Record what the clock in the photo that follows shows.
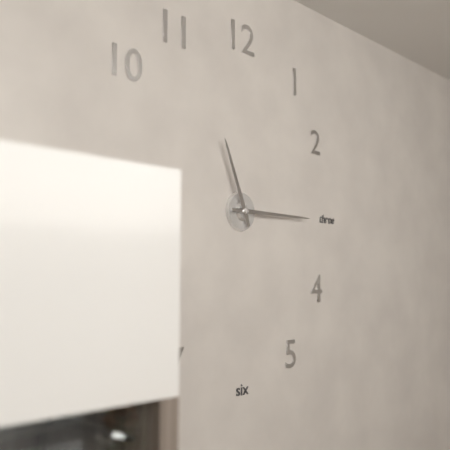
11:15
